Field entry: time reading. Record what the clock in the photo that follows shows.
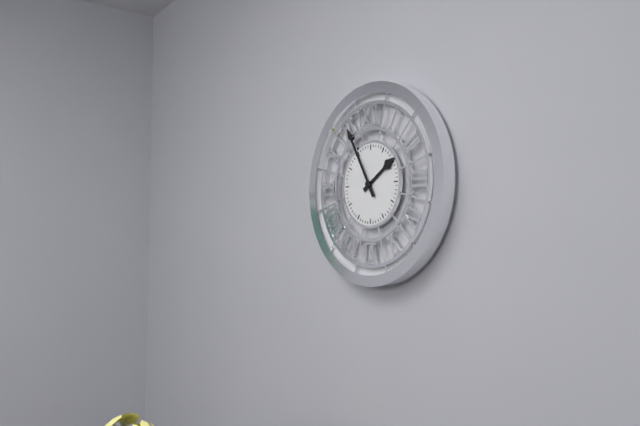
1:55
